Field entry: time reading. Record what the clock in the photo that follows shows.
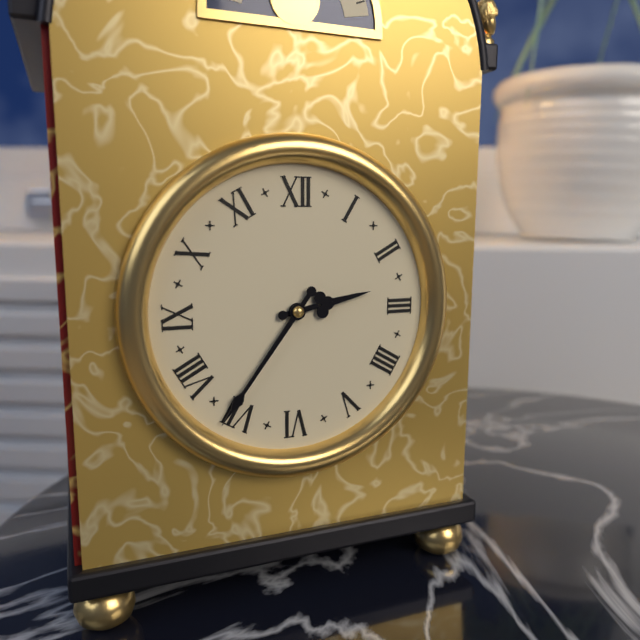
2:36
